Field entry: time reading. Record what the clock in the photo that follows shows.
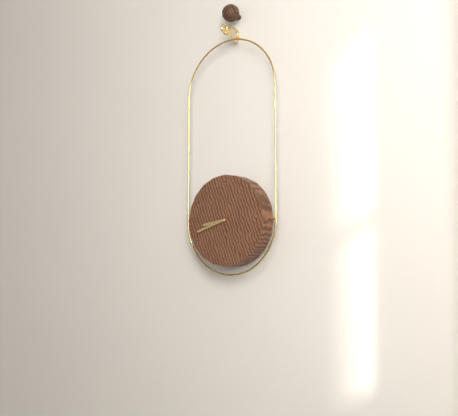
8:42
